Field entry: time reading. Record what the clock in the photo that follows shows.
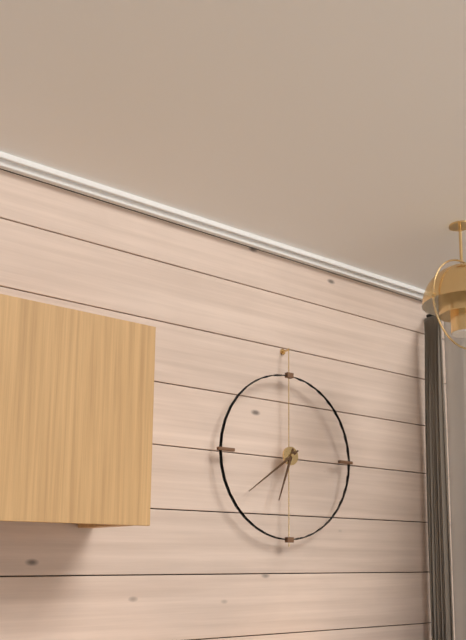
6:39
